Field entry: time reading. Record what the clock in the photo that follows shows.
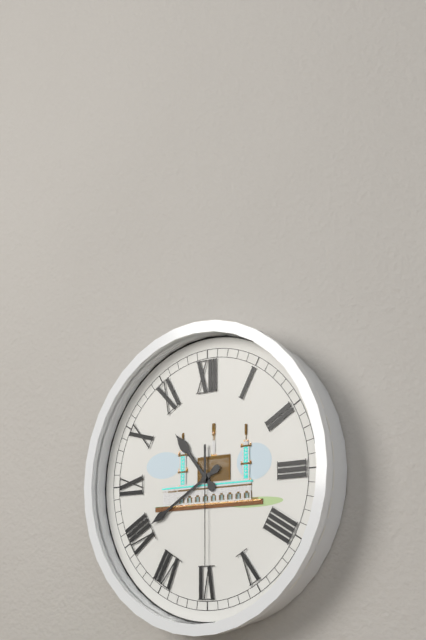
10:40:30
